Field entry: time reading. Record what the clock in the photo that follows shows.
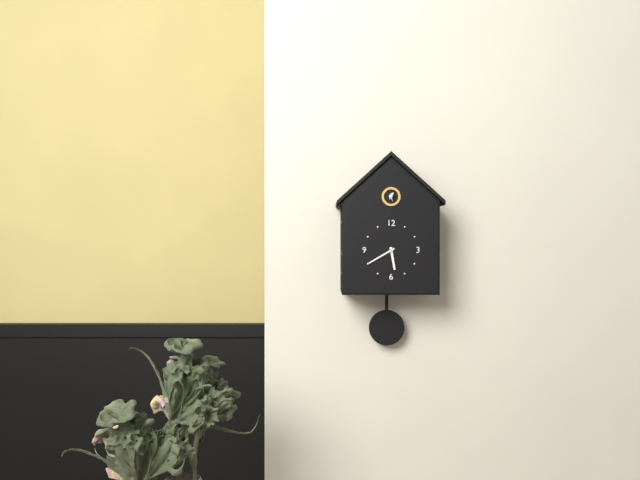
5:40
